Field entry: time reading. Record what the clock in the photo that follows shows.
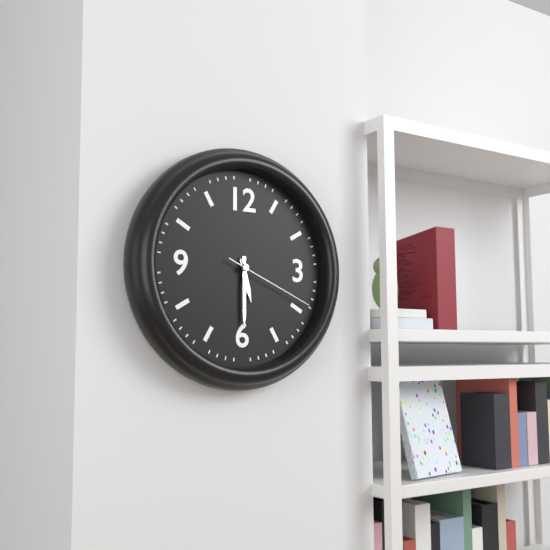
5:30:19
